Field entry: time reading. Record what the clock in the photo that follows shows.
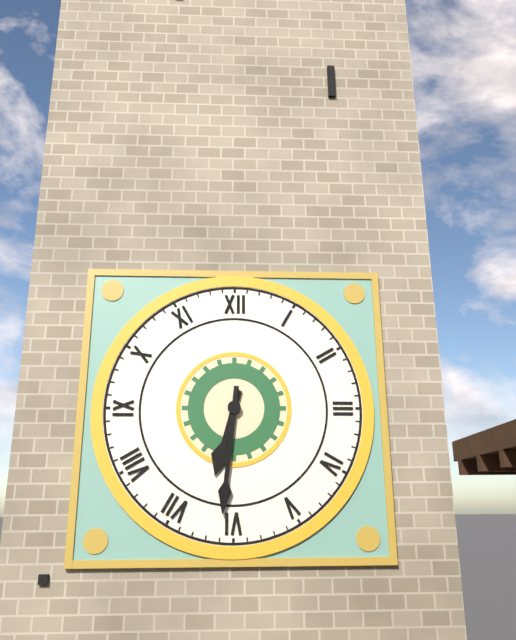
6:31
